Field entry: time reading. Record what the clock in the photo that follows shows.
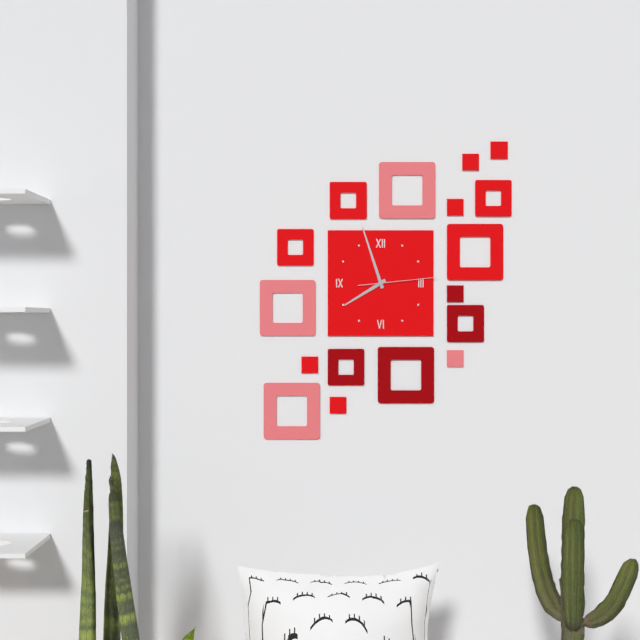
7:57:14
